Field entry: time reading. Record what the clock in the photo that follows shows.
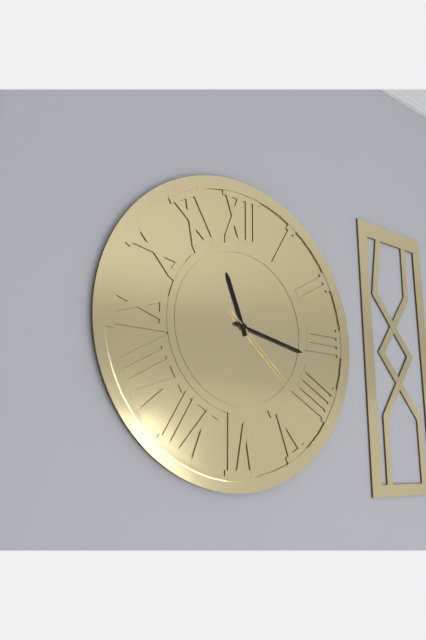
11:17:22
